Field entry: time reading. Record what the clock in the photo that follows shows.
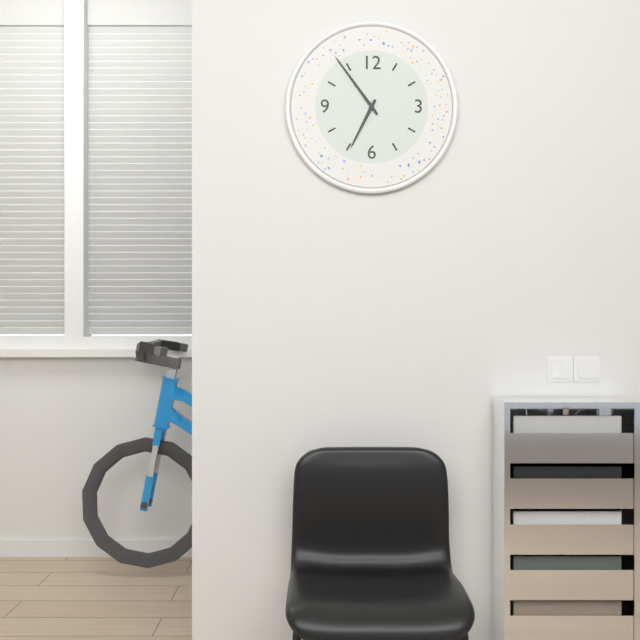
6:54
